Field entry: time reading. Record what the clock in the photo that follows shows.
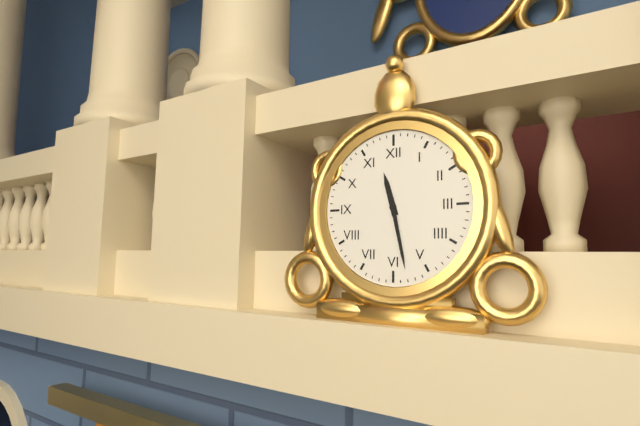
11:28
